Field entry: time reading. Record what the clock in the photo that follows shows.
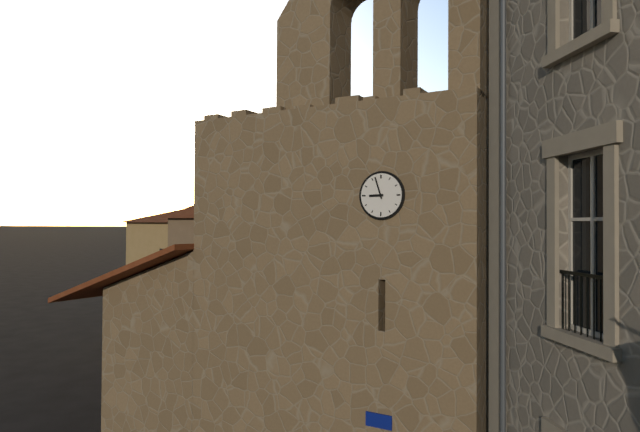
8:57
